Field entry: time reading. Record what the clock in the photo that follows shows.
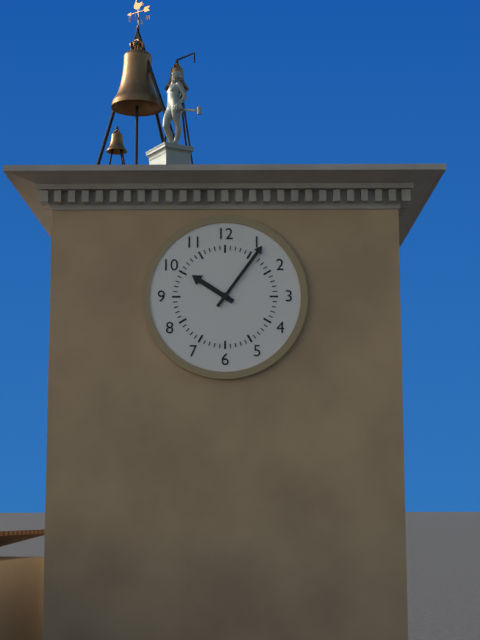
10:06
